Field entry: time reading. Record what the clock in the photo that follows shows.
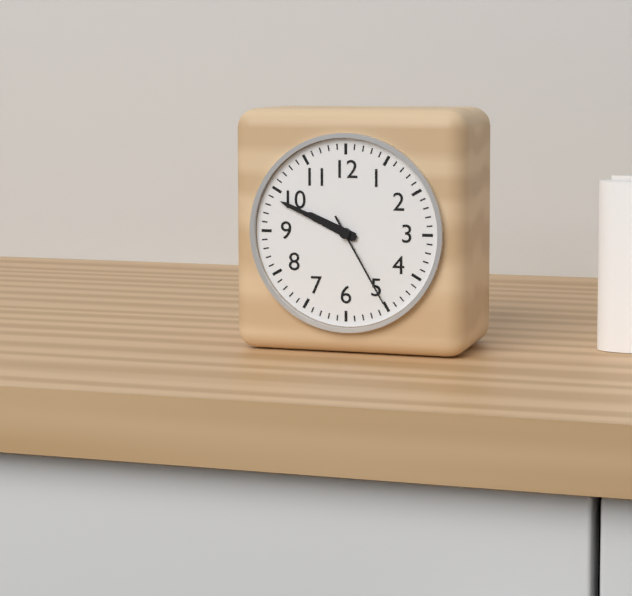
9:49:25
